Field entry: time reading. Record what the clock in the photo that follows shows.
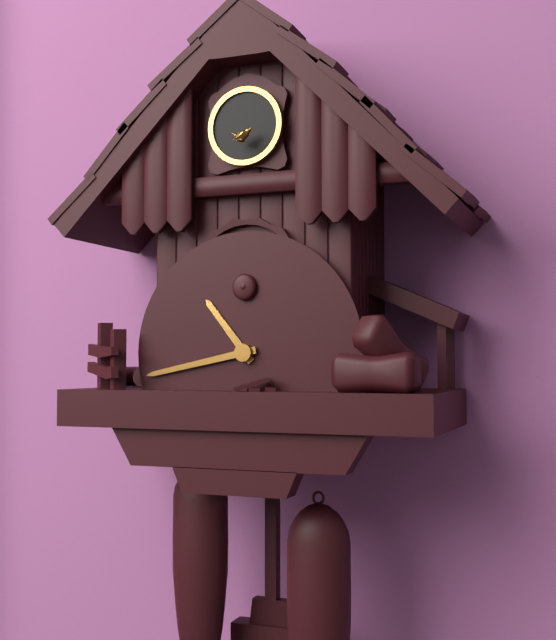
10:43
